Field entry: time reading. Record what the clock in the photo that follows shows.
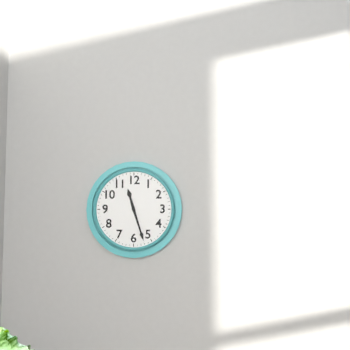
11:27
